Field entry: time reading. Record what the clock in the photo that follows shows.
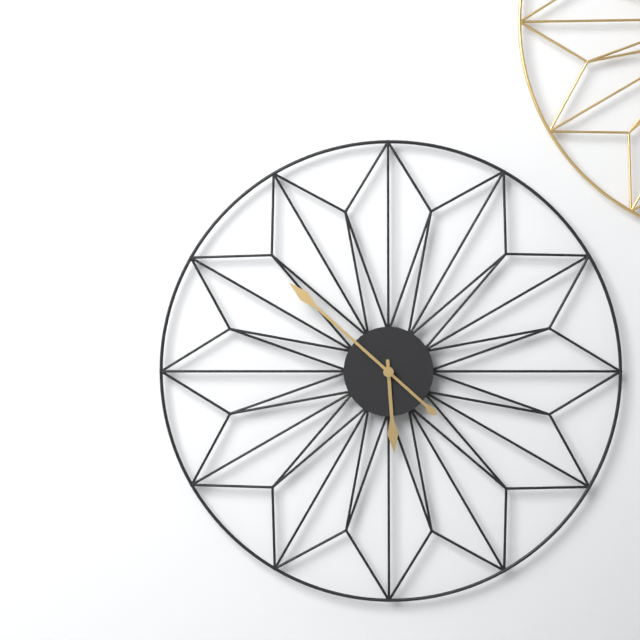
5:52
